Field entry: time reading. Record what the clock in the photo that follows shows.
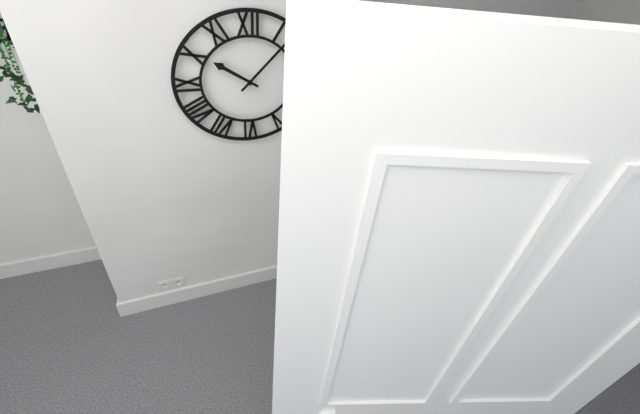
10:07
